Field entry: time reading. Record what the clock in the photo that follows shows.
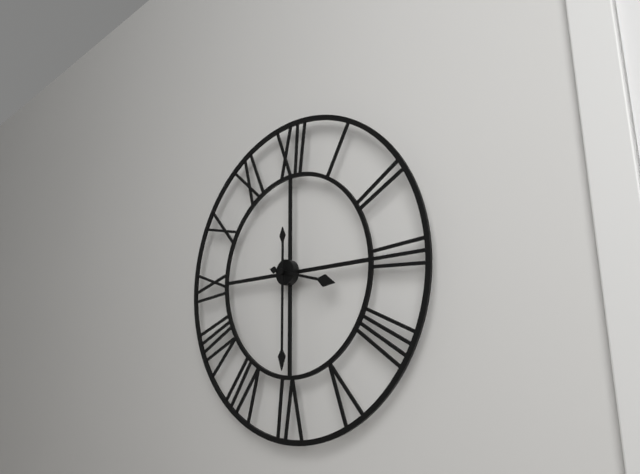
3:30
